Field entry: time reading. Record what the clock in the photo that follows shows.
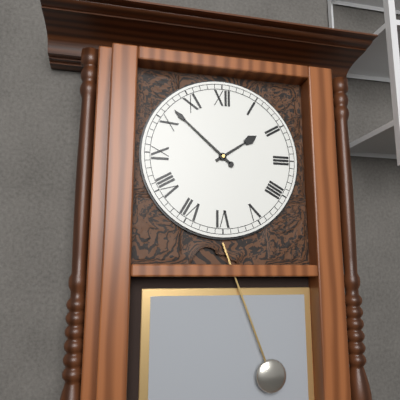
1:52
